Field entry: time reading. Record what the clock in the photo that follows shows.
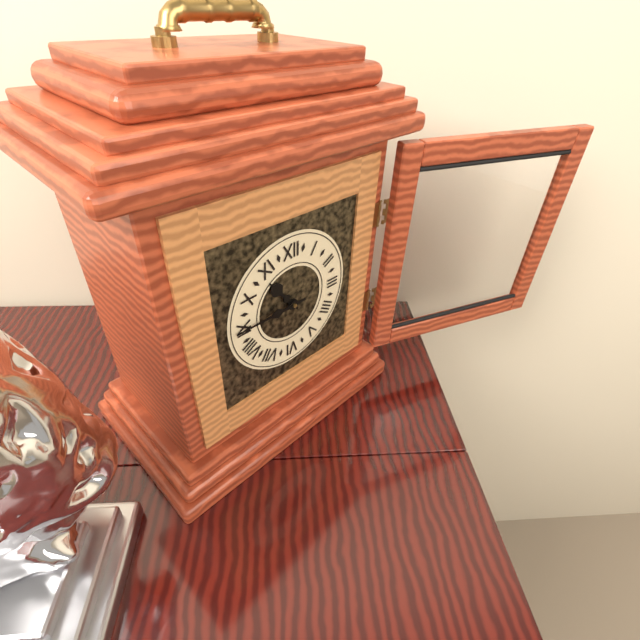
10:45
